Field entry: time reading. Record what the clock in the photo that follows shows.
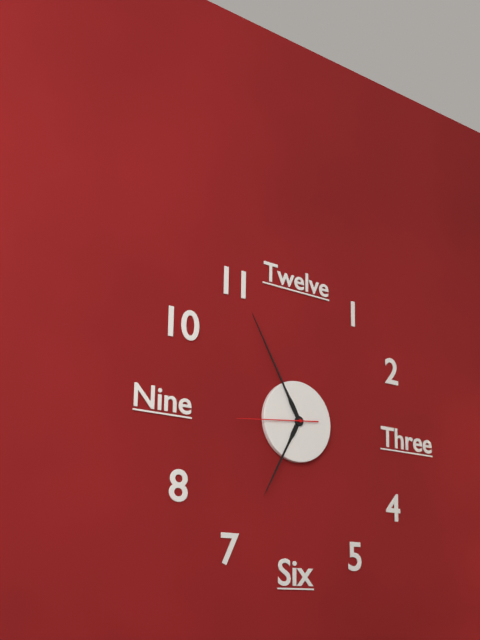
6:55:44
